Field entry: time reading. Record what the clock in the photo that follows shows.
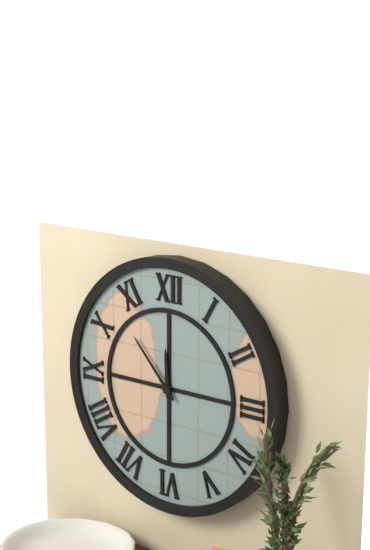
11:53
